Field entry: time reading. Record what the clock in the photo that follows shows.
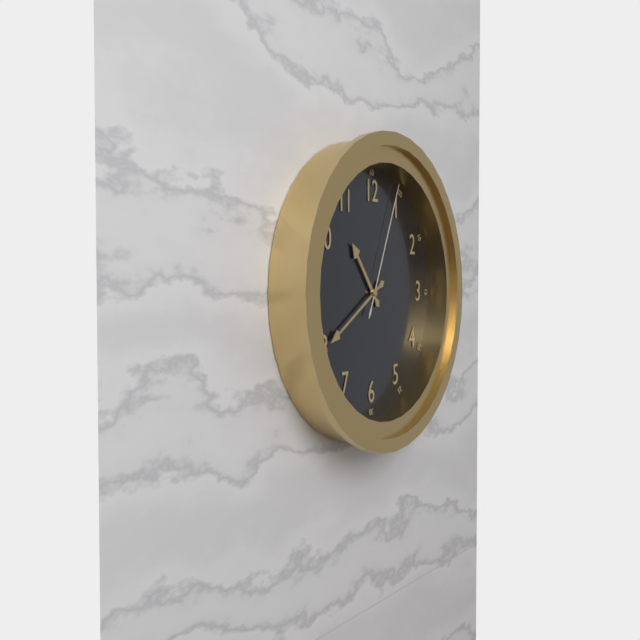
10:40:04
